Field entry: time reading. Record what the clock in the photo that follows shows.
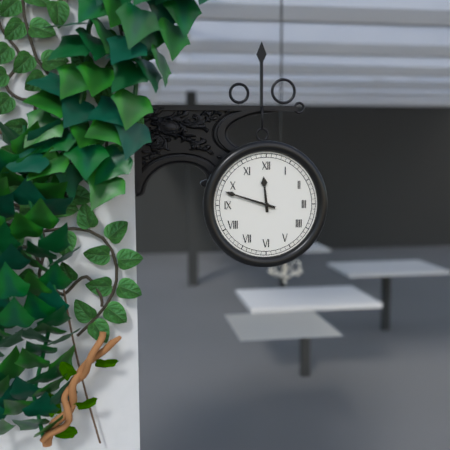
11:48
